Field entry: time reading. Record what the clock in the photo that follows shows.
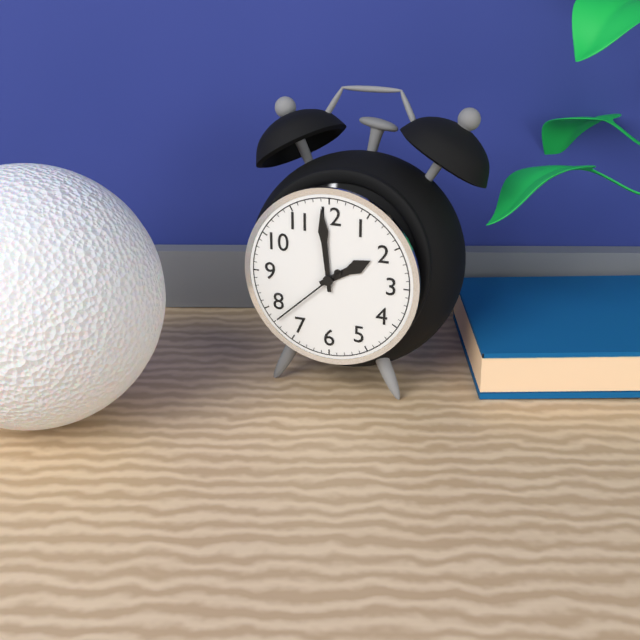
1:59:38
